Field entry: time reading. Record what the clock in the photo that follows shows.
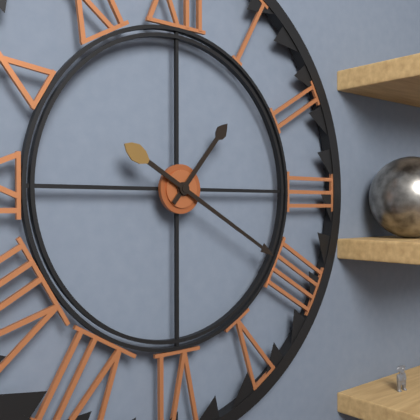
1:20
